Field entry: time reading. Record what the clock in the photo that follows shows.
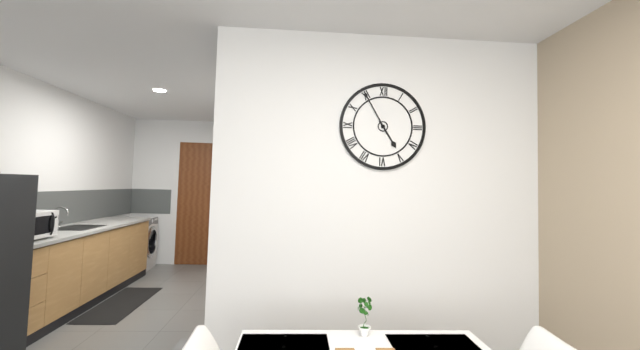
4:55
